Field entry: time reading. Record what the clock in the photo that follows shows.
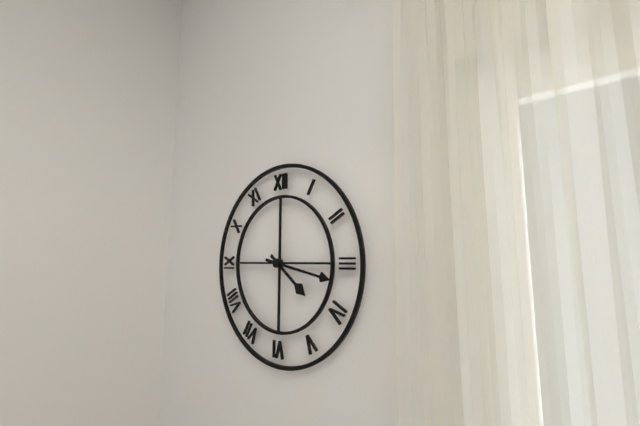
4:17
